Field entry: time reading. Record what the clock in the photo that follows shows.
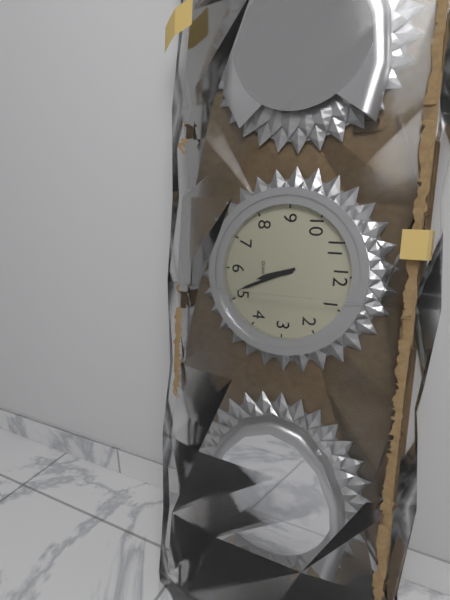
5:26
